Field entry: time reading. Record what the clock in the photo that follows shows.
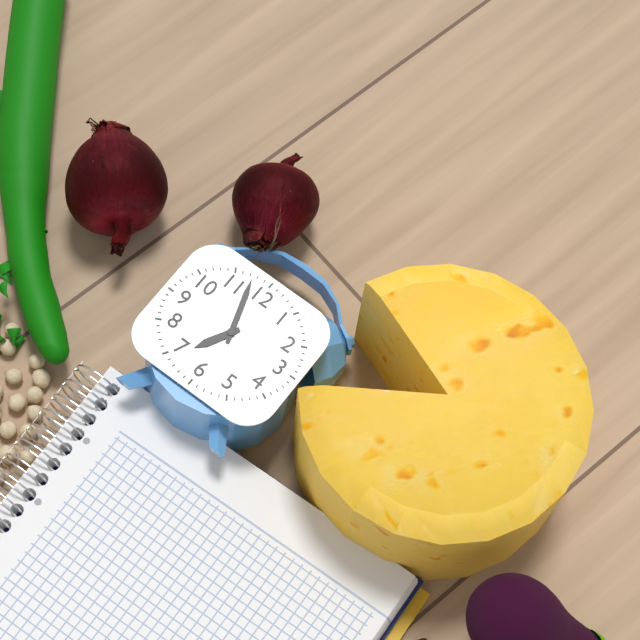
6:57
